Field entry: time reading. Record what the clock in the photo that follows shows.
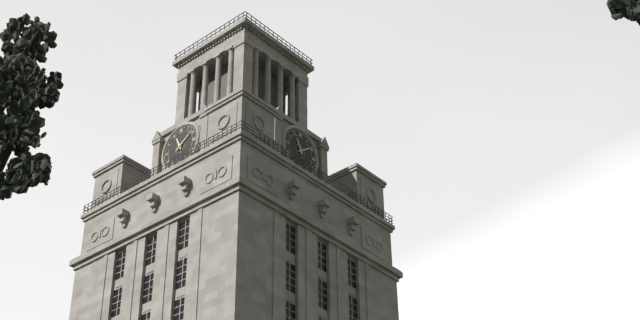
11:09
